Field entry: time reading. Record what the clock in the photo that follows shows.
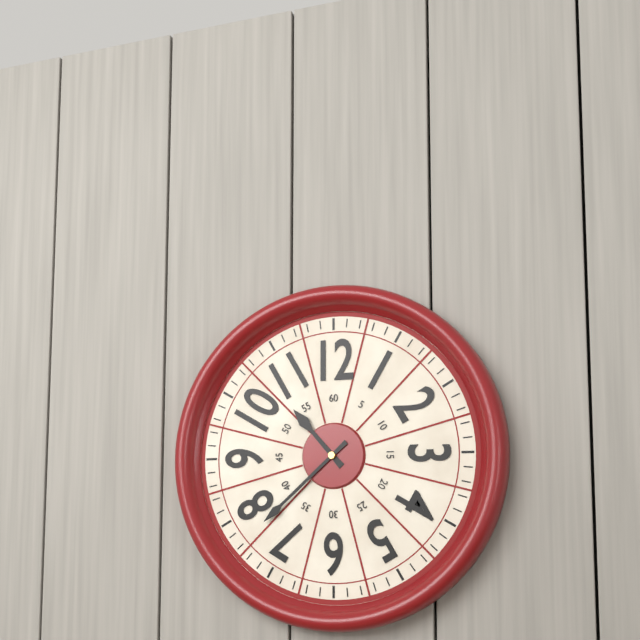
10:38
